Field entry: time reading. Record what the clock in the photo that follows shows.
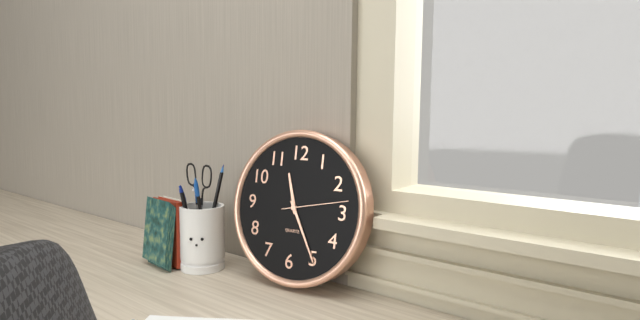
11:25:13
